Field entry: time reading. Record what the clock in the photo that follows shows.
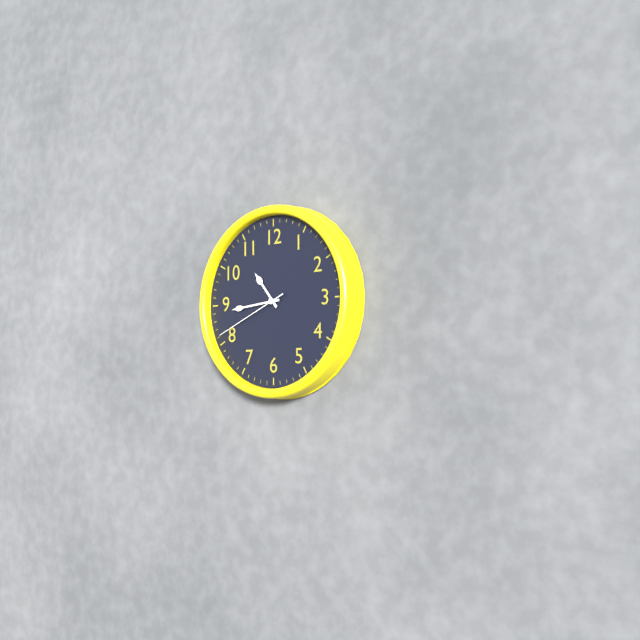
10:44:41
